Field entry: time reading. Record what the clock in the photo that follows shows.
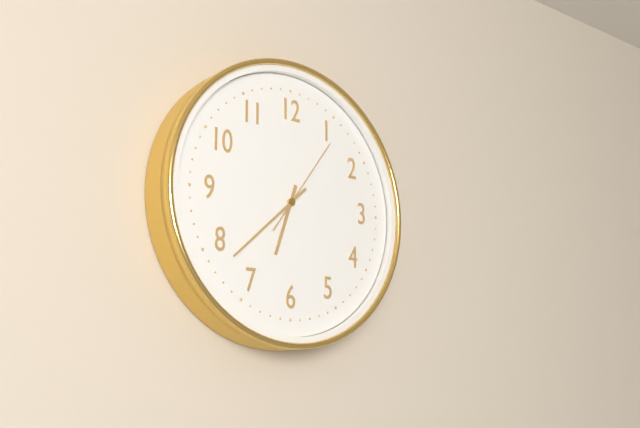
6:38:06
